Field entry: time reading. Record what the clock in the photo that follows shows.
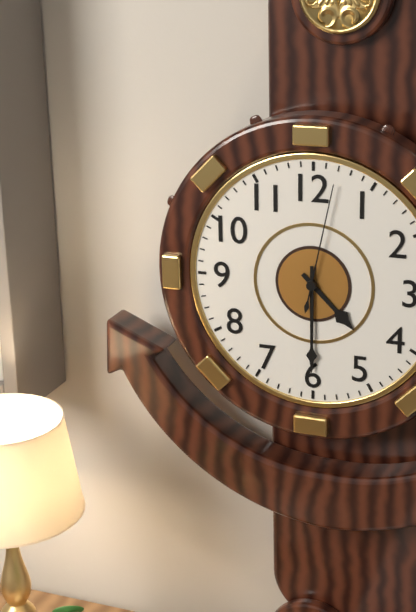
4:30:02
